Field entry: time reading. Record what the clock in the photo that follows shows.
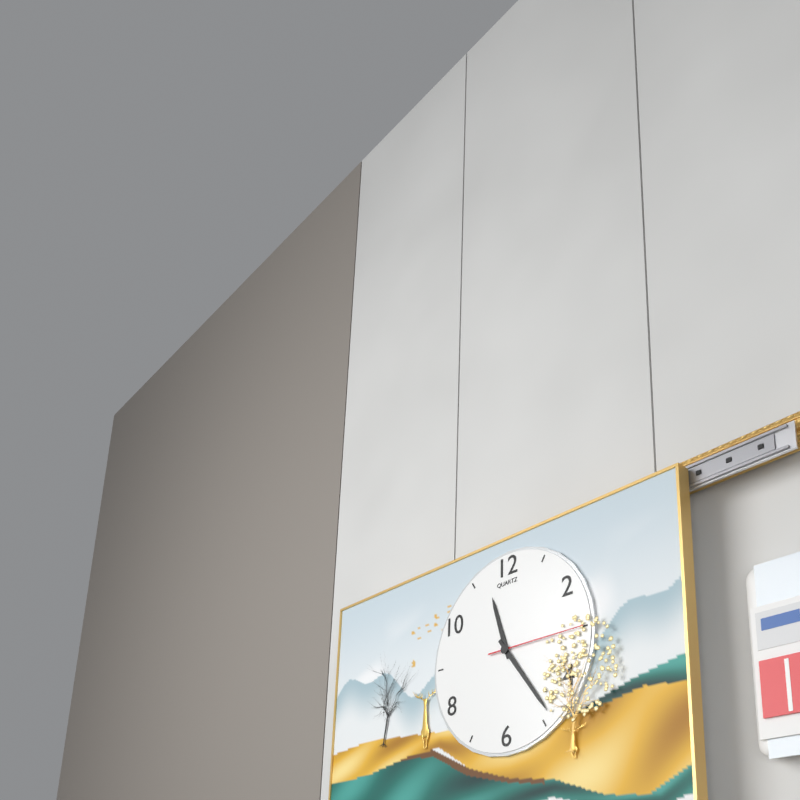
11:24:15
